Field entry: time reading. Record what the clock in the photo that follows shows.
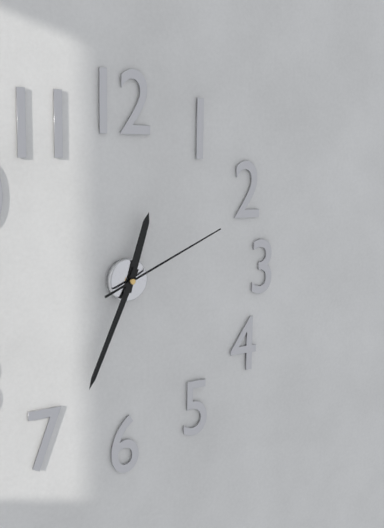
12:34:11
